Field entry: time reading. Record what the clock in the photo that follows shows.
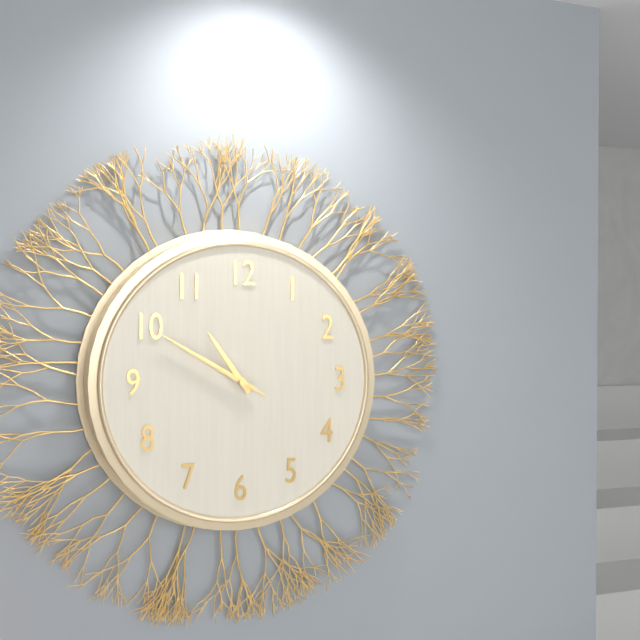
10:50:50
